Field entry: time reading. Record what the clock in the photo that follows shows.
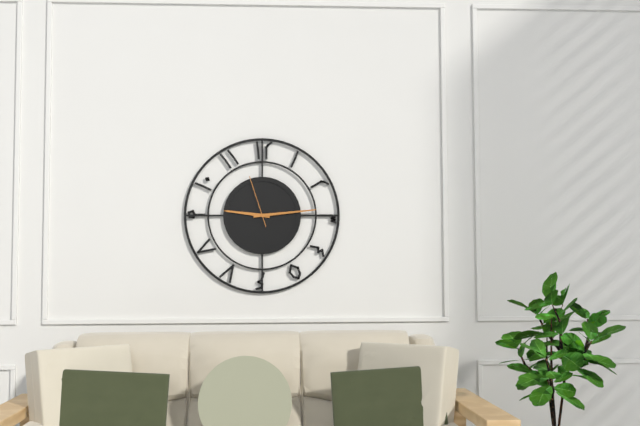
9:14:57
